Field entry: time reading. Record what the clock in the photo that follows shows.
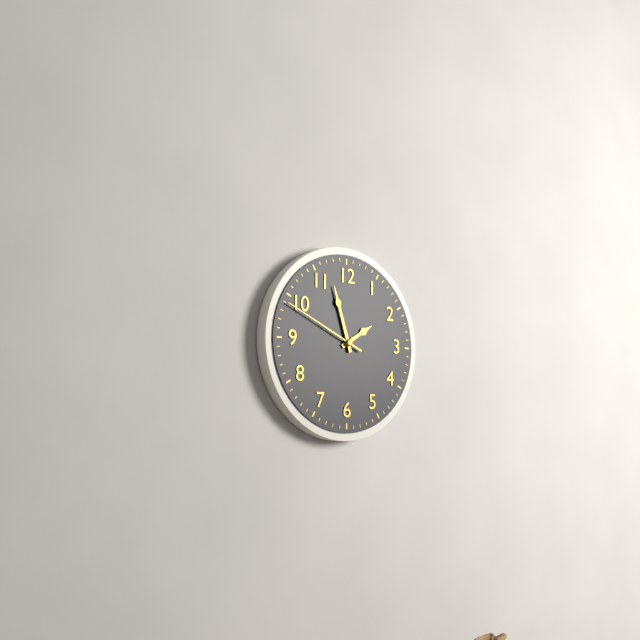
1:57:49
